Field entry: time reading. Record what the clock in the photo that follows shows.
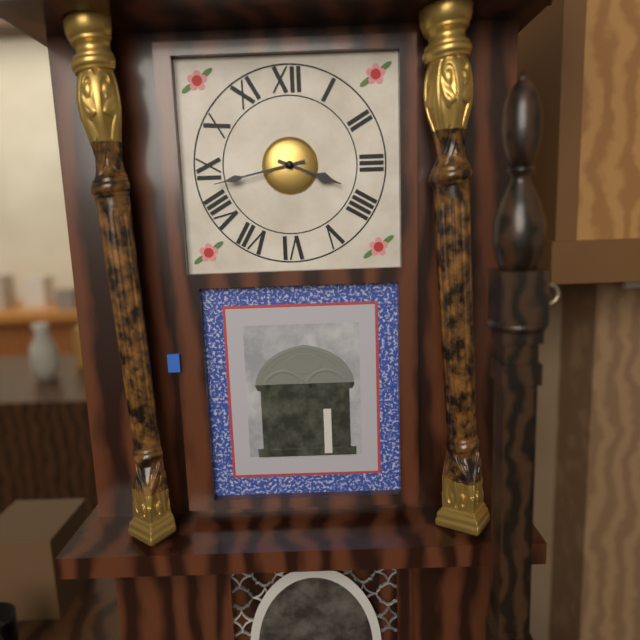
3:43
